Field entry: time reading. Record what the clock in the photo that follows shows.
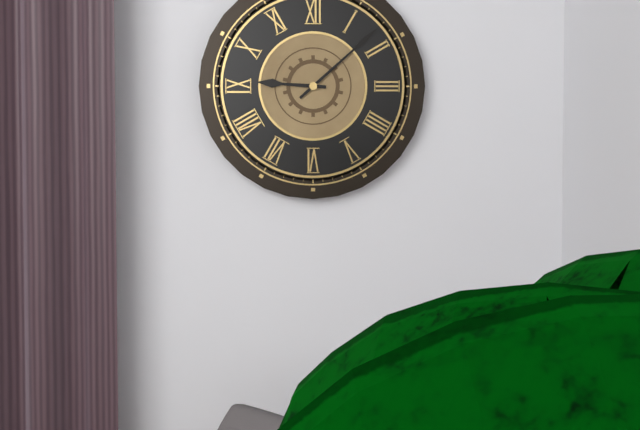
9:08
